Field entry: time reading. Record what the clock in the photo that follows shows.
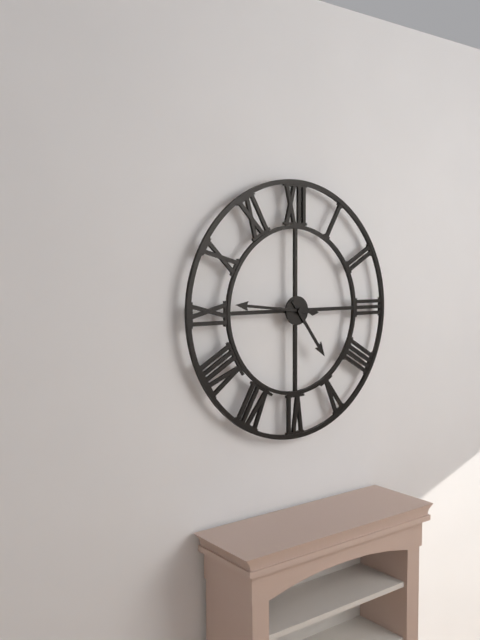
4:46
